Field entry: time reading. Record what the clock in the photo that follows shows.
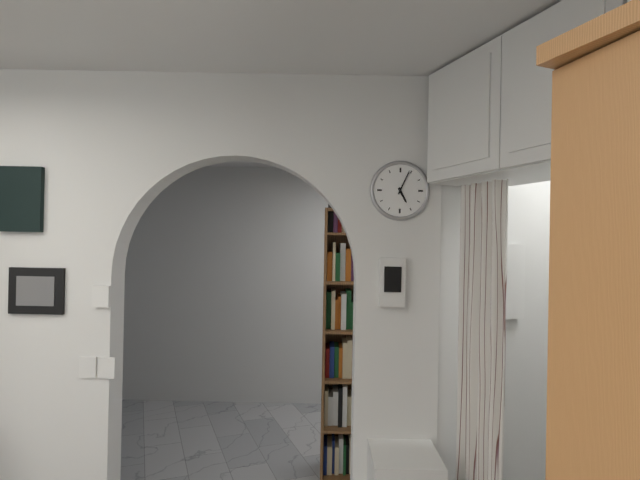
5:04
